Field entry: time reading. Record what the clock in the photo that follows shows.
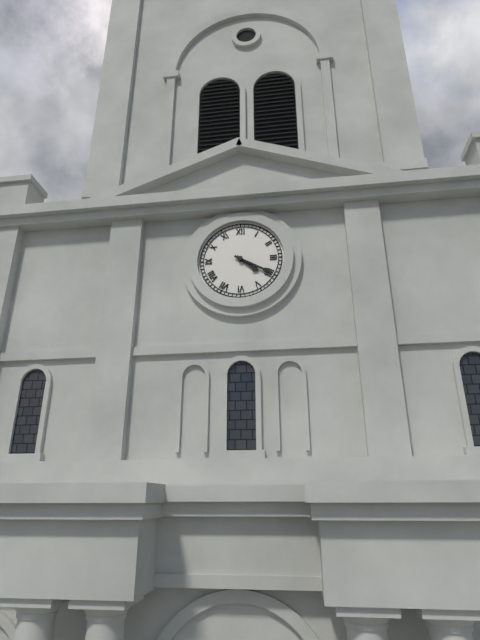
4:20
